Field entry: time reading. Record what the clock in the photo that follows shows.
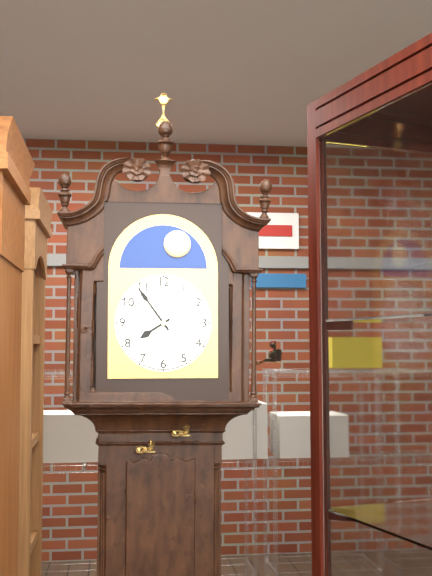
7:54
